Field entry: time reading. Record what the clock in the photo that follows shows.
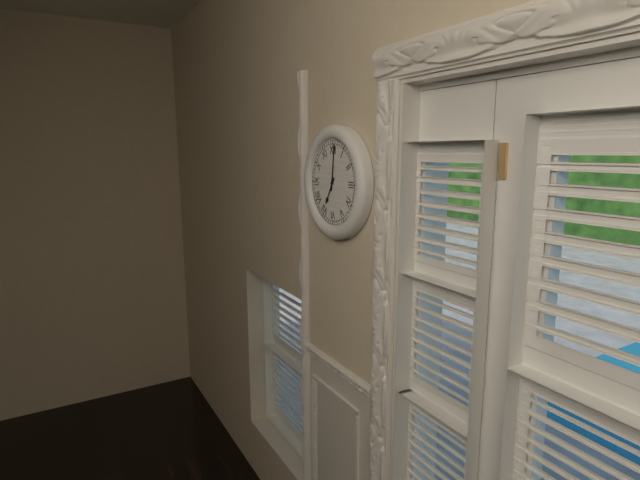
7:01
